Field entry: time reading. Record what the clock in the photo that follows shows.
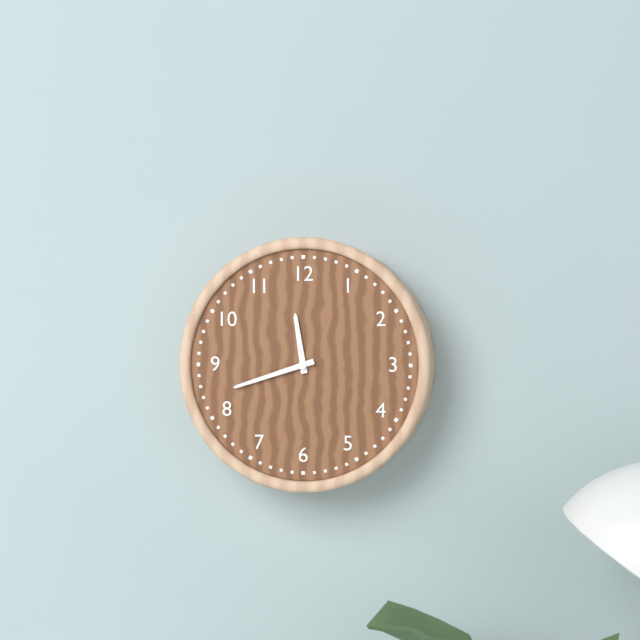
11:42
